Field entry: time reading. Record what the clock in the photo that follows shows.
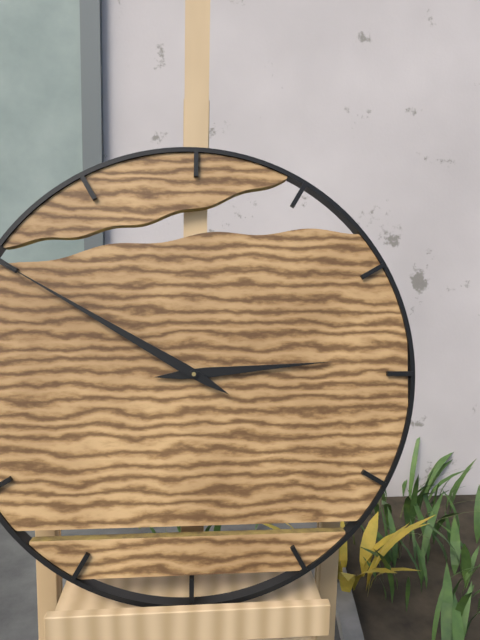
2:50
